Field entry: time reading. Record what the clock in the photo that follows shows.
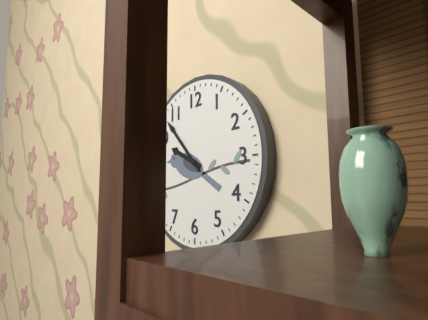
9:53
